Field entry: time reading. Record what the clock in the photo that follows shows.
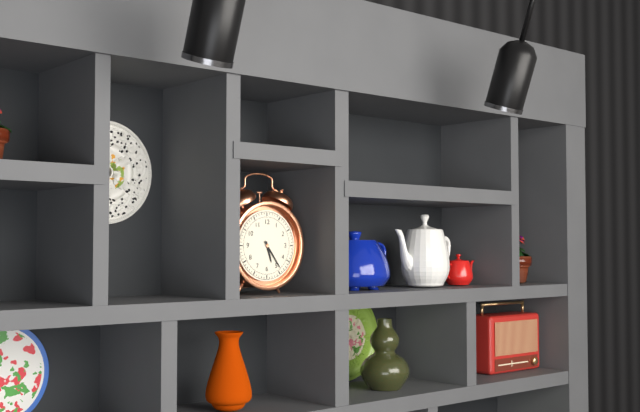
5:24
